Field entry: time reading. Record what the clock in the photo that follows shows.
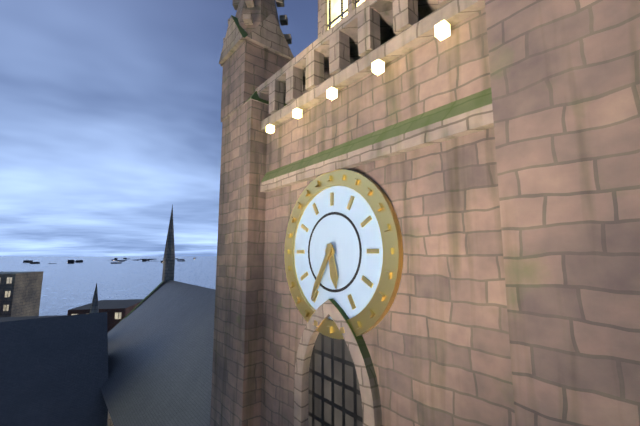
5:35
